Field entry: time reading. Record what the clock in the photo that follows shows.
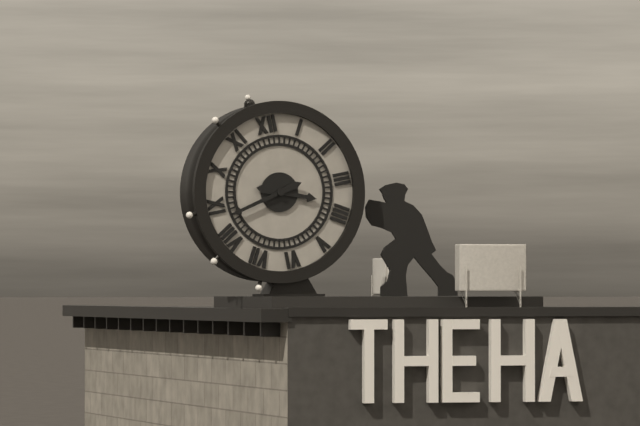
3:43
